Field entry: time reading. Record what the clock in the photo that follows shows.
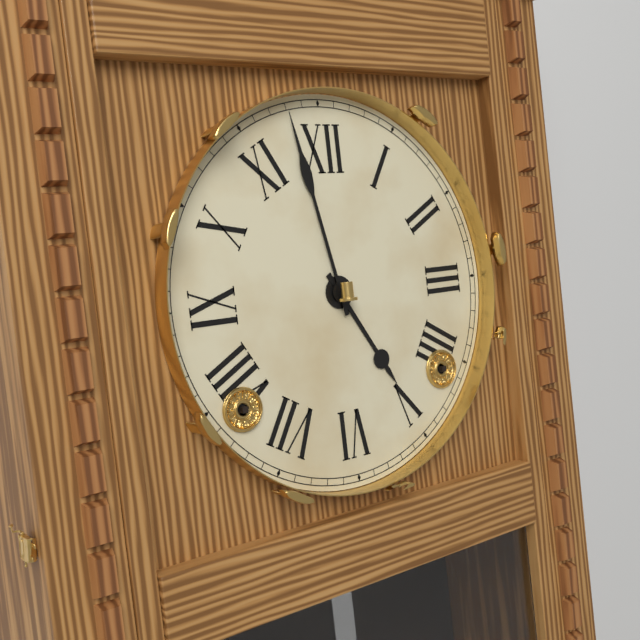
4:58
